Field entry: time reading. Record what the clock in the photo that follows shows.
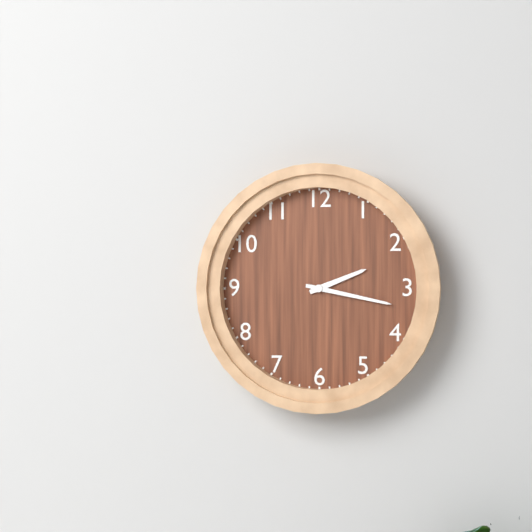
2:17
